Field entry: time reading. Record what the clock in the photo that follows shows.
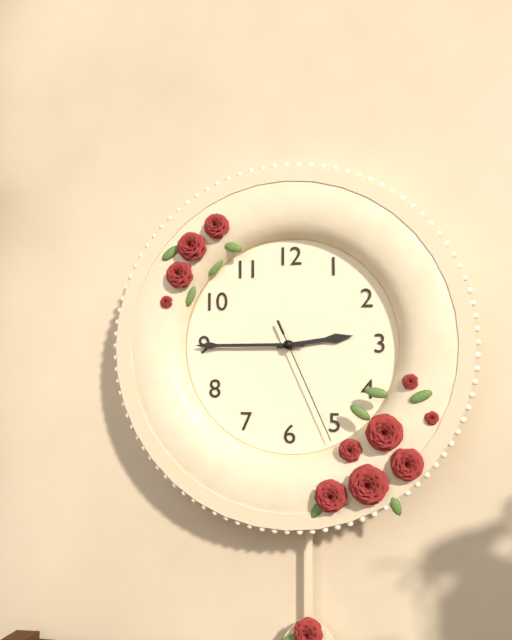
2:45:26
